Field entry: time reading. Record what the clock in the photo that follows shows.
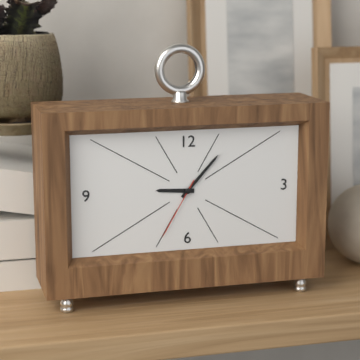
9:07:35
